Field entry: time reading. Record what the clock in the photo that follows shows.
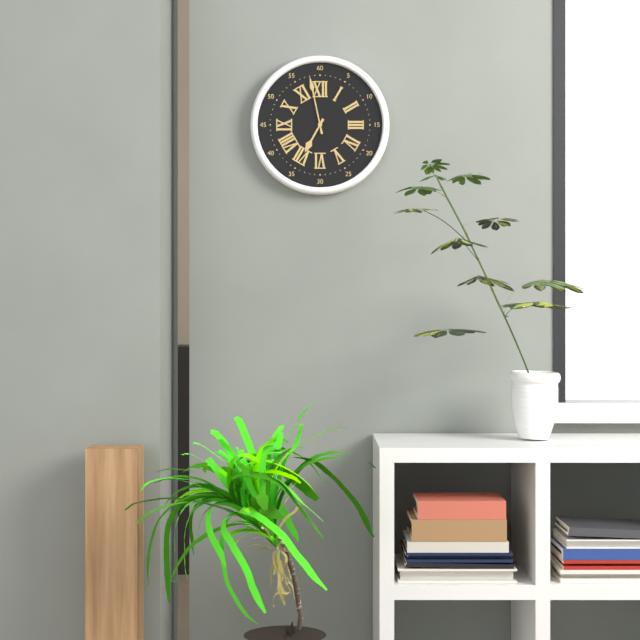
6:58
